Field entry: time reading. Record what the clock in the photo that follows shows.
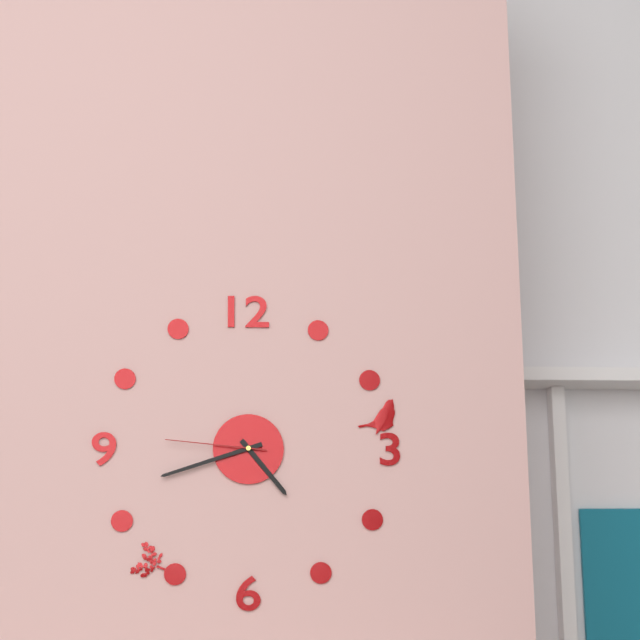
4:42:46
